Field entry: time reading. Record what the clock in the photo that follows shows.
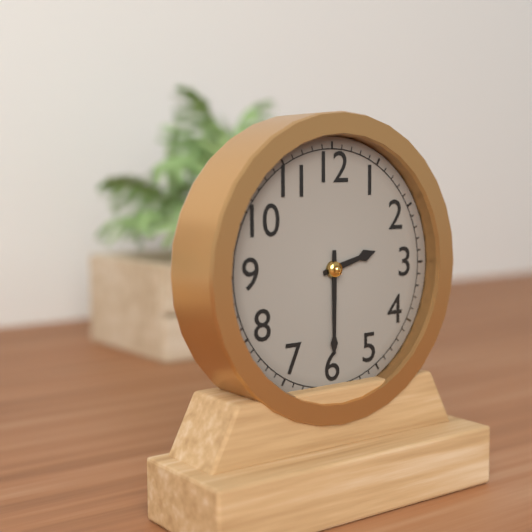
2:30
